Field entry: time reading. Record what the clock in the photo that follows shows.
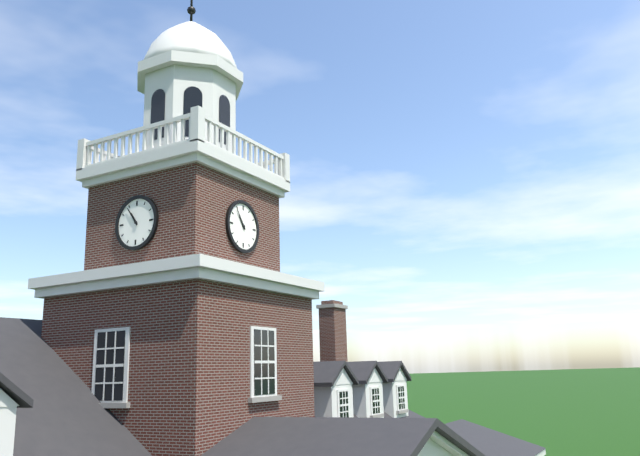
10:54
